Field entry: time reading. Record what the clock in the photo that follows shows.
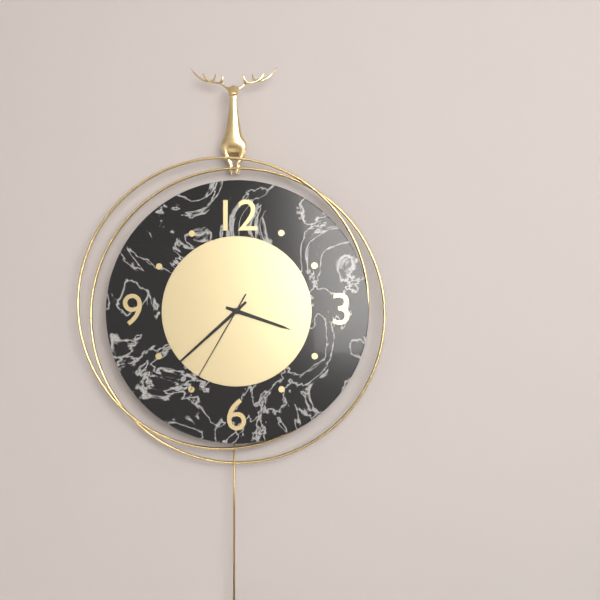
3:38:35
